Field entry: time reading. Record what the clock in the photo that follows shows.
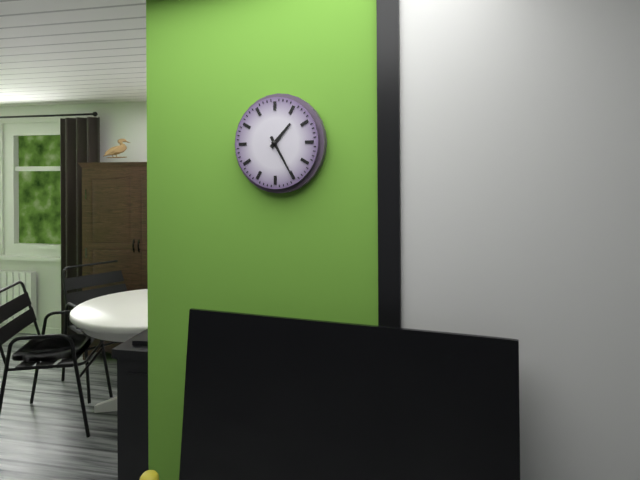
1:25
